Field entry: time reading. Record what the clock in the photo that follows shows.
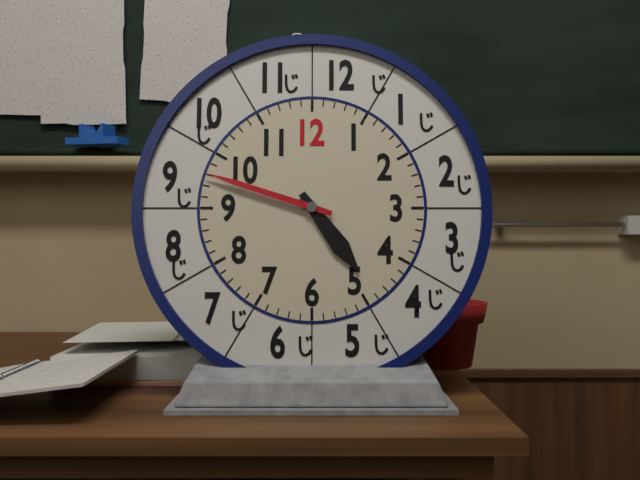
4:48
